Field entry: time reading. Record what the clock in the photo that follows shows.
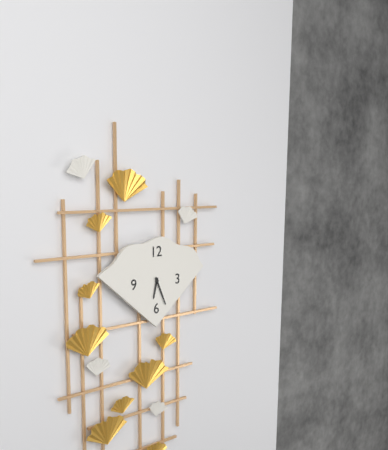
6:26
